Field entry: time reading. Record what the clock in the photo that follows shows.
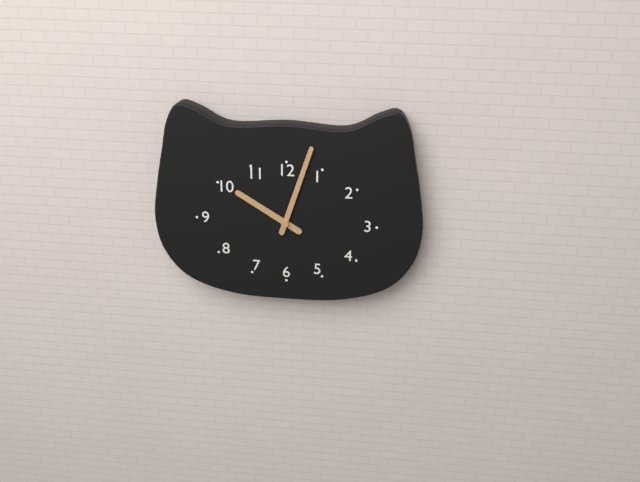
10:03
